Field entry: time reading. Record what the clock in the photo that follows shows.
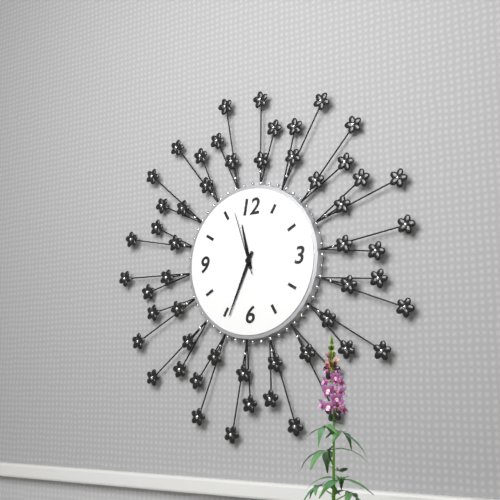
11:34:57
